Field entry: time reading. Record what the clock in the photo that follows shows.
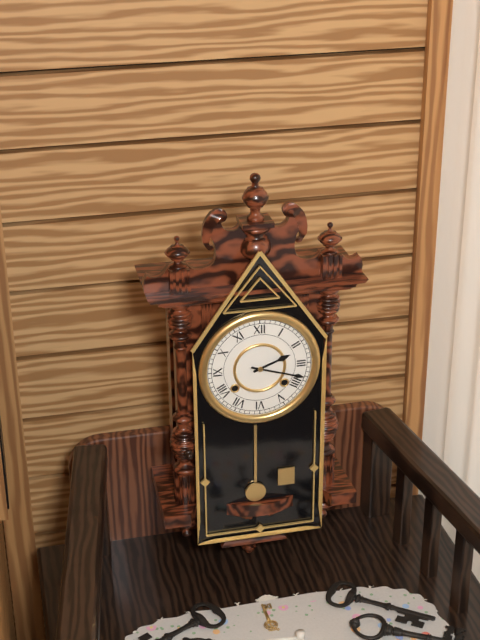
2:18
